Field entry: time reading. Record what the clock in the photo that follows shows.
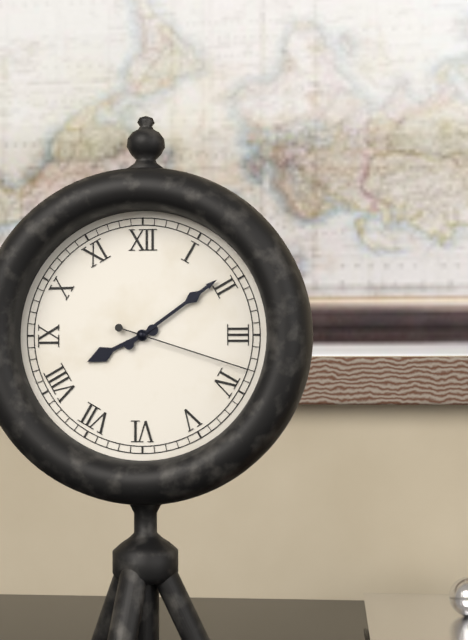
8:09:18
